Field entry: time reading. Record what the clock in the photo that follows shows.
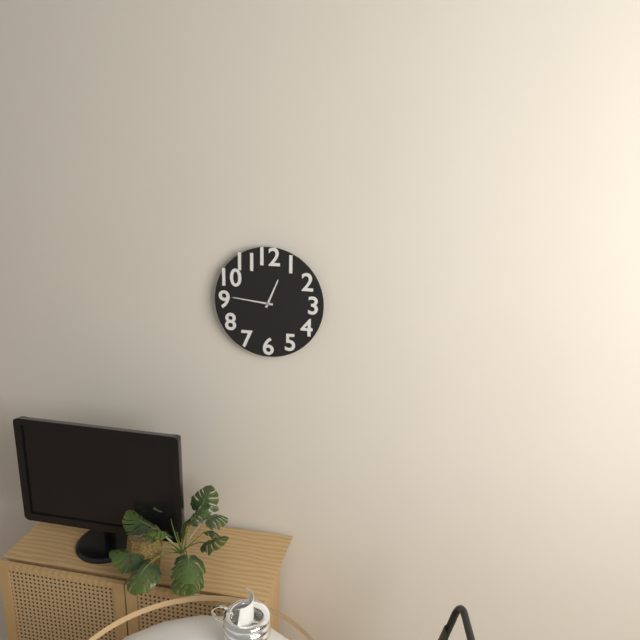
12:46
